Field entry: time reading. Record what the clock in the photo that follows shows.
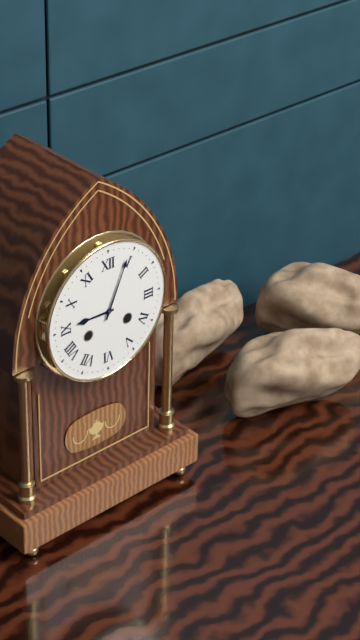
9:04
